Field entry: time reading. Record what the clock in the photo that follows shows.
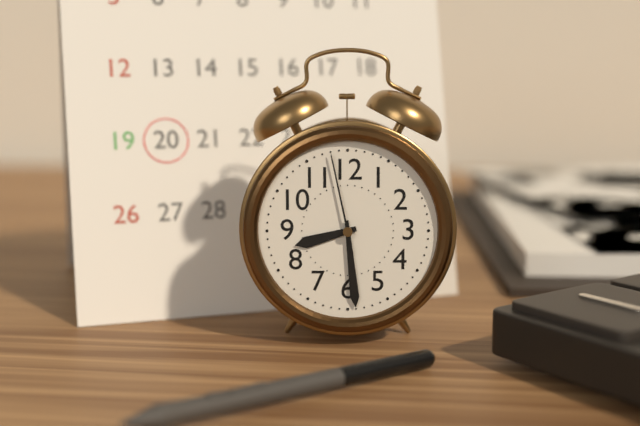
8:29:58
